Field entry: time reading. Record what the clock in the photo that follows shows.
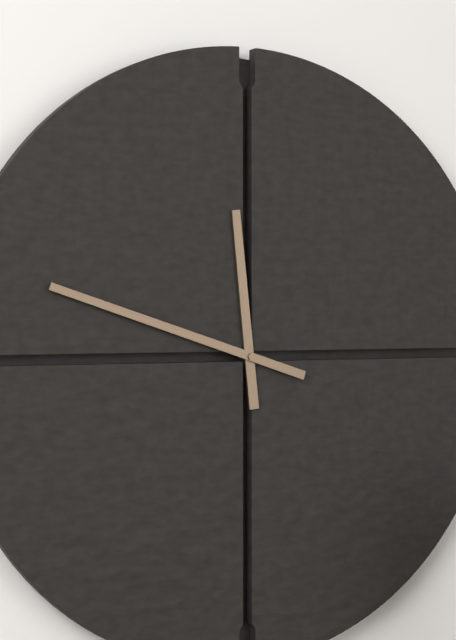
11:48
